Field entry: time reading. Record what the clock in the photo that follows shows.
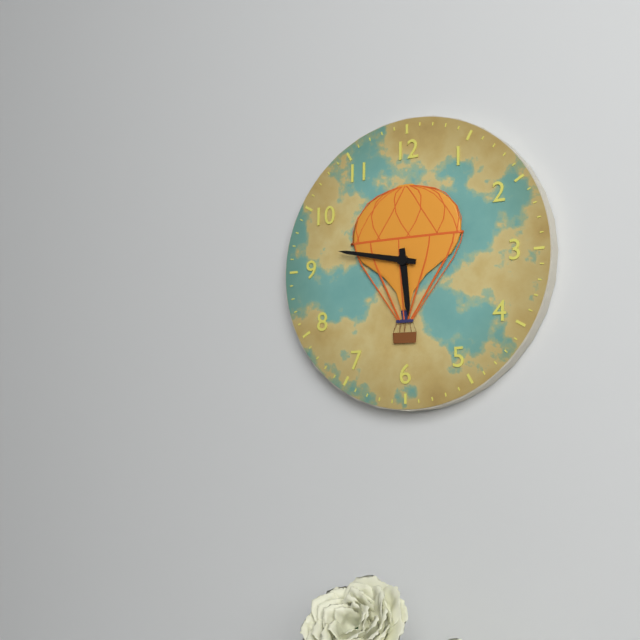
5:47
